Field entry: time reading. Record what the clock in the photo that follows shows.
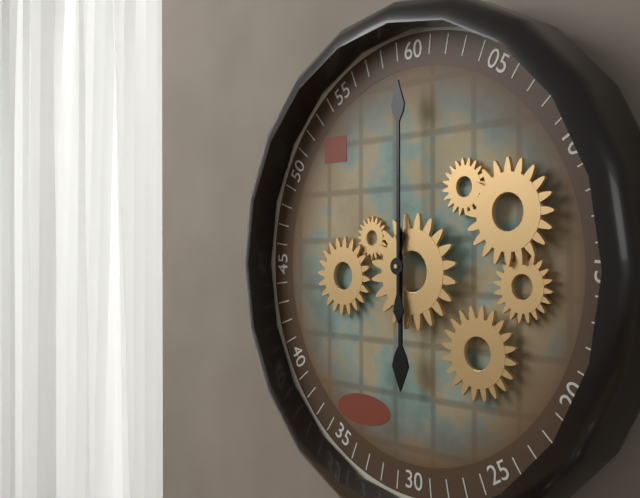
6:00
